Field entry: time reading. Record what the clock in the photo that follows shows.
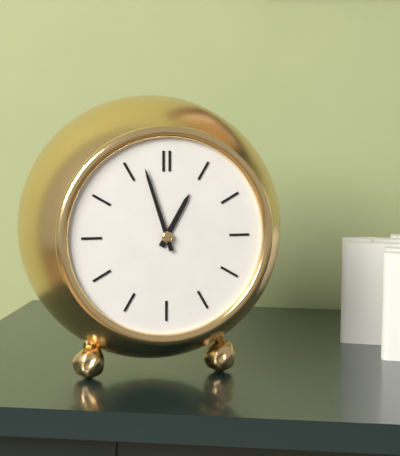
12:57
